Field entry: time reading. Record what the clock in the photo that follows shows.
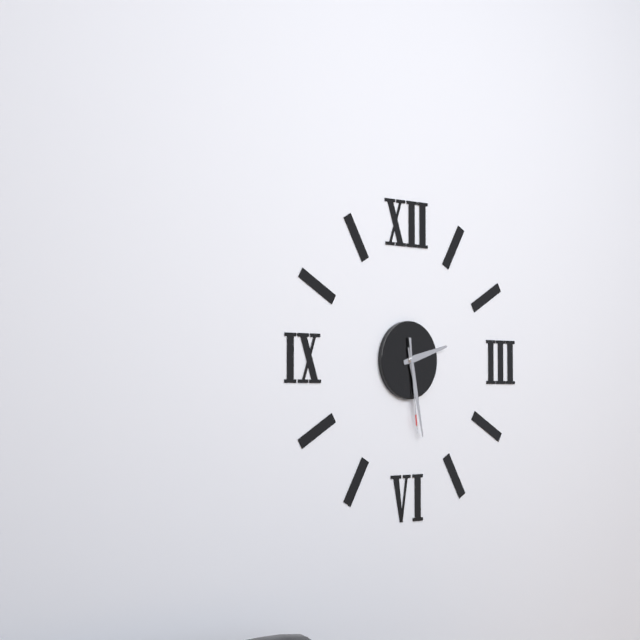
2:28:29
